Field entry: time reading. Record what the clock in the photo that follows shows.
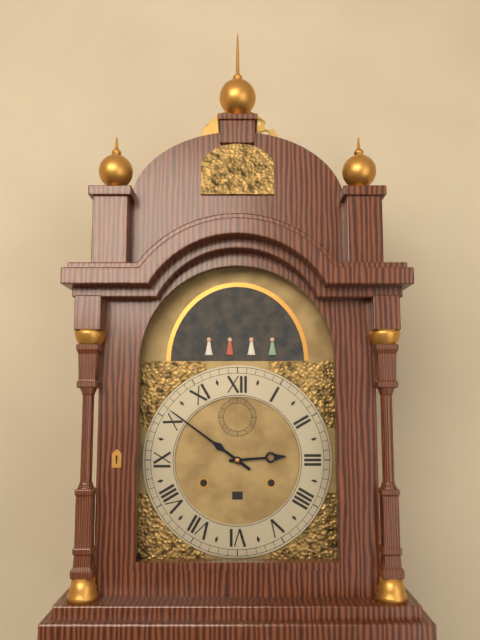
2:51
